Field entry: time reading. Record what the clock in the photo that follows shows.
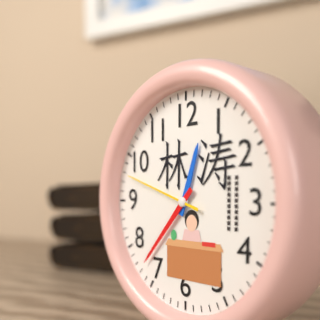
12:37:48
